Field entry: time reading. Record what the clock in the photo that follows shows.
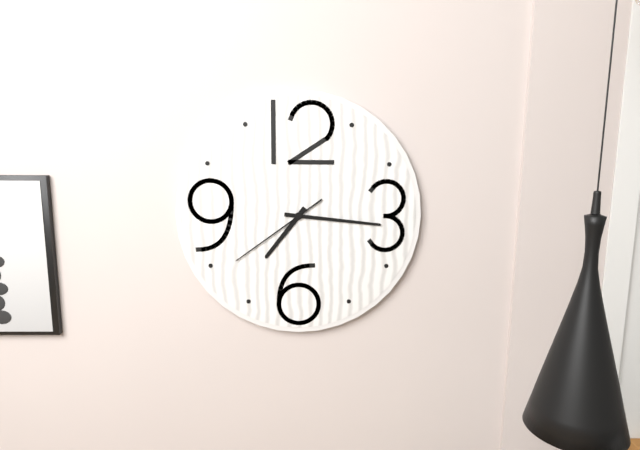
7:16:39
